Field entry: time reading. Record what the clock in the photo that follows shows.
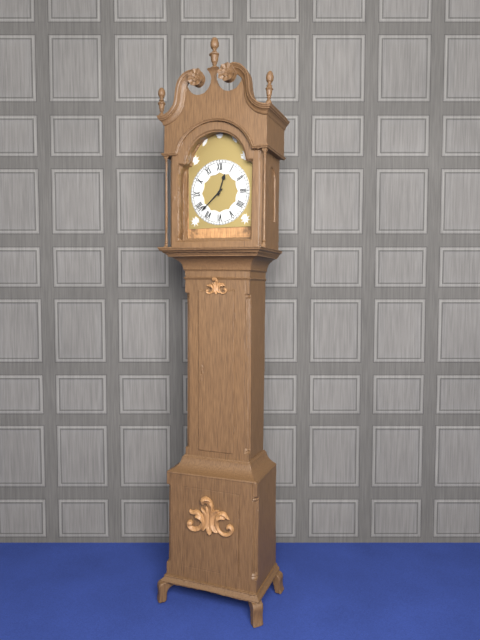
12:38
